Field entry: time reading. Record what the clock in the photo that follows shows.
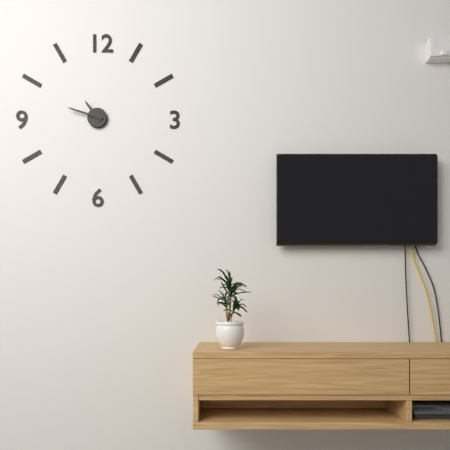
10:48
